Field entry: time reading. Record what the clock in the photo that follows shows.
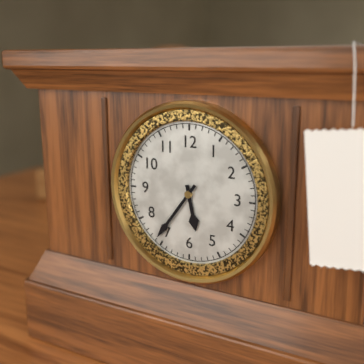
5:36
